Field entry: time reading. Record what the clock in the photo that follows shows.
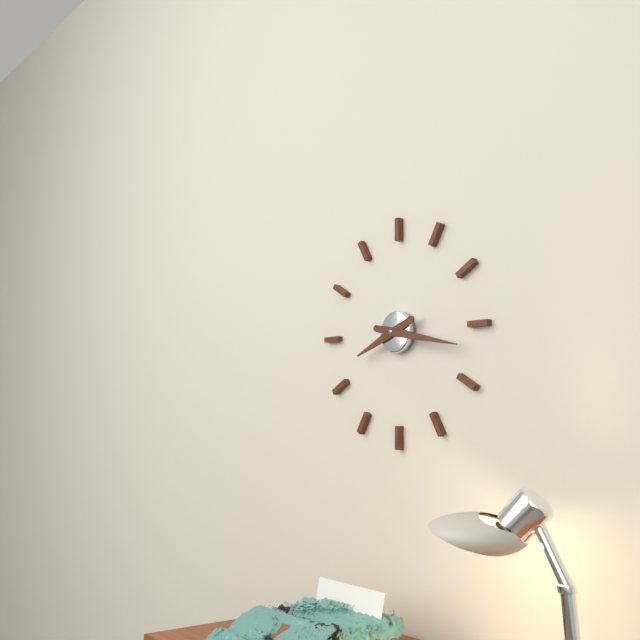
8:17
